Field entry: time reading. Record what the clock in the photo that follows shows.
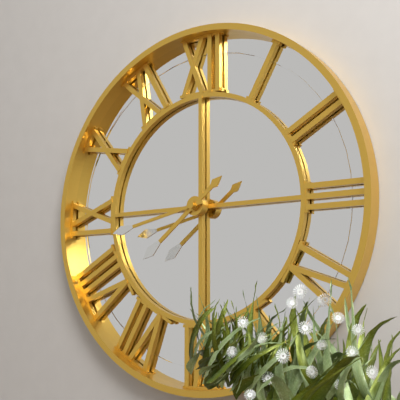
7:43
